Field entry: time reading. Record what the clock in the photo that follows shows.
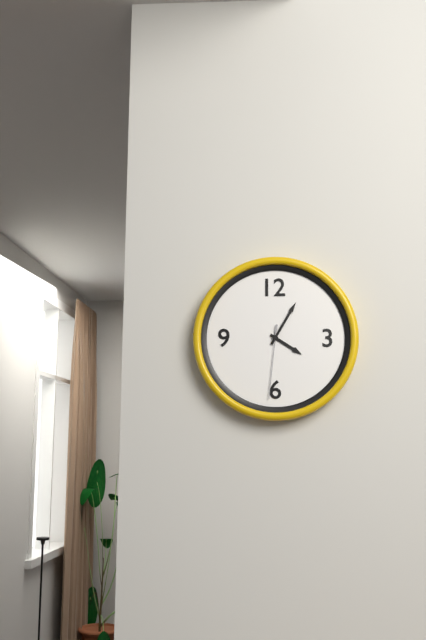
4:05:31
